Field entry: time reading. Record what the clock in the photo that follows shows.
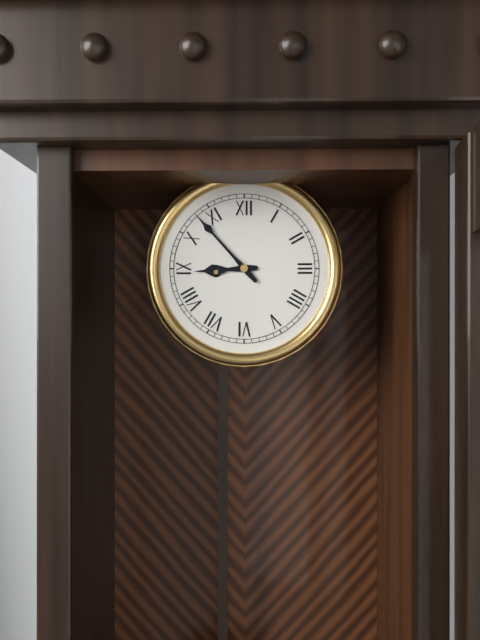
8:53
